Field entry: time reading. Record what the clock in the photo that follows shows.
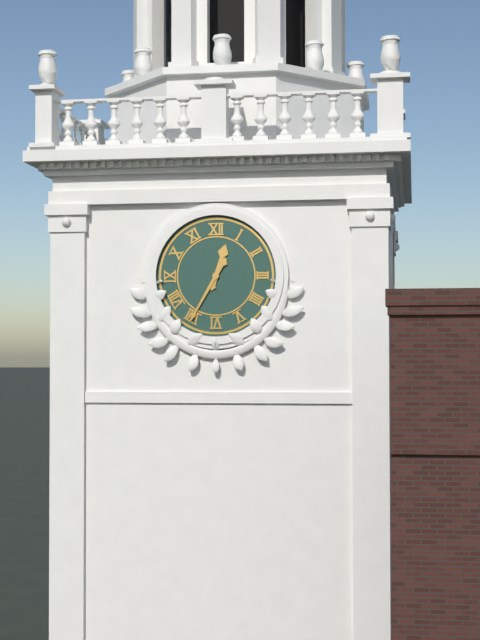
12:35
